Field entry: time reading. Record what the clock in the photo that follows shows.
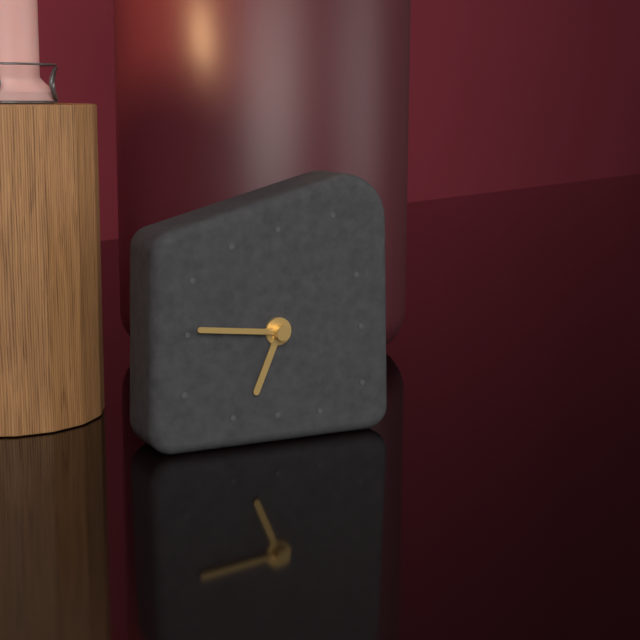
6:46
